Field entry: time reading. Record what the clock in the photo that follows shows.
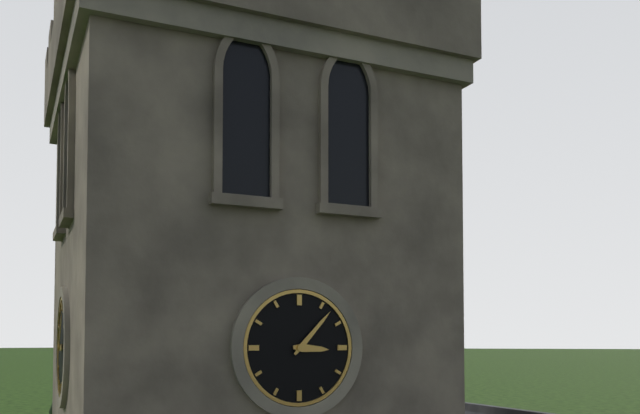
3:07
